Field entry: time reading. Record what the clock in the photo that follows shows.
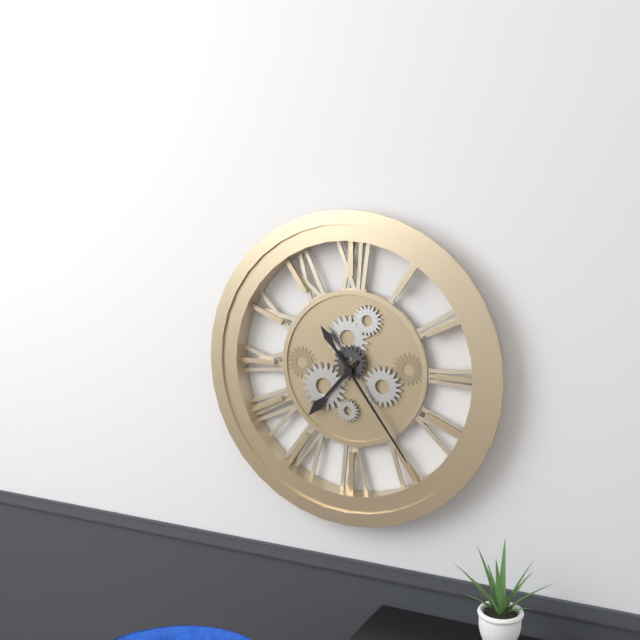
7:24
